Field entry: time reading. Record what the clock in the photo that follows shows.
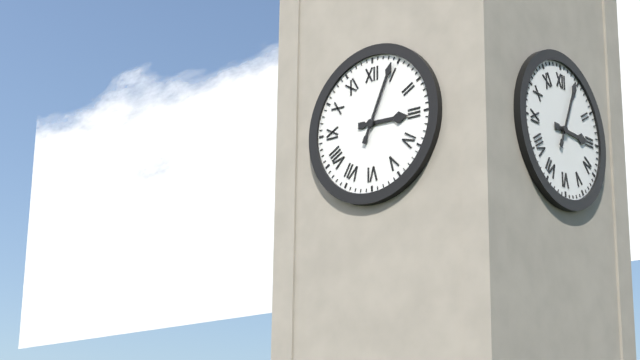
3:04
